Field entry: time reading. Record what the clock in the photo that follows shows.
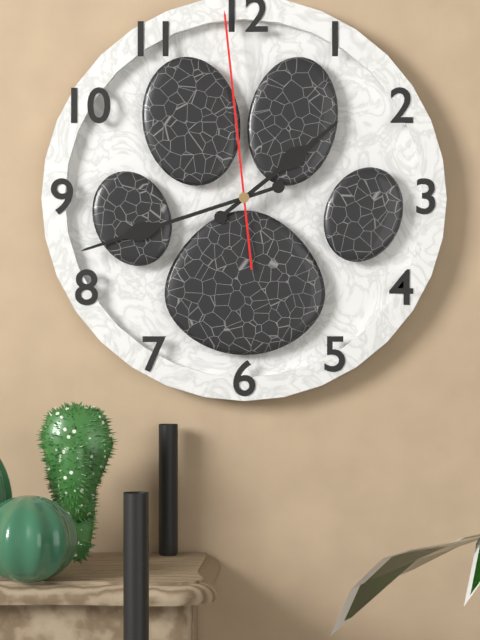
1:42:59
